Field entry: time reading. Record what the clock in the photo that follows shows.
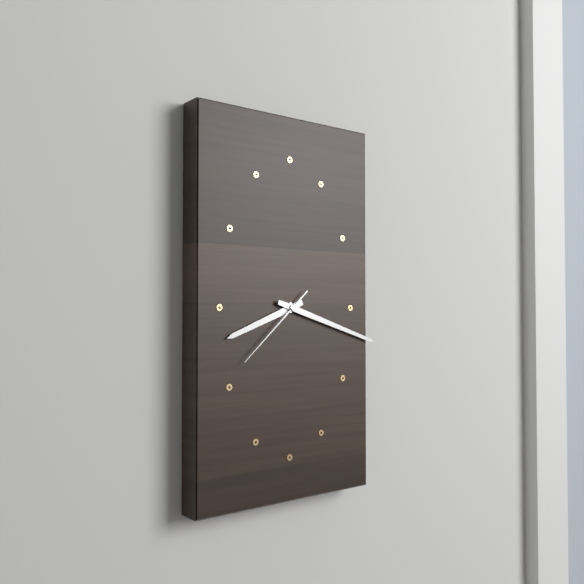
8:18:38
